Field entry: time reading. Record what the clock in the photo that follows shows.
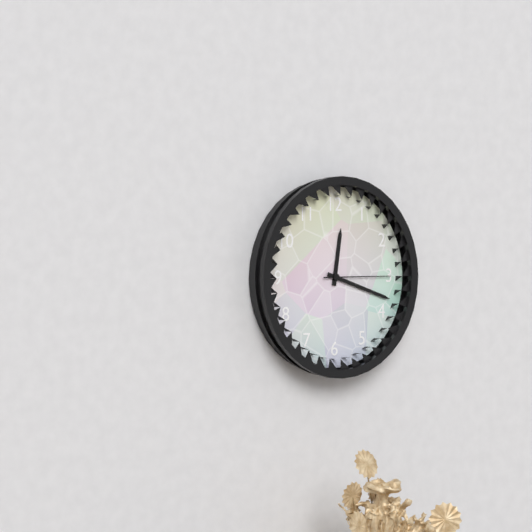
12:18:15
